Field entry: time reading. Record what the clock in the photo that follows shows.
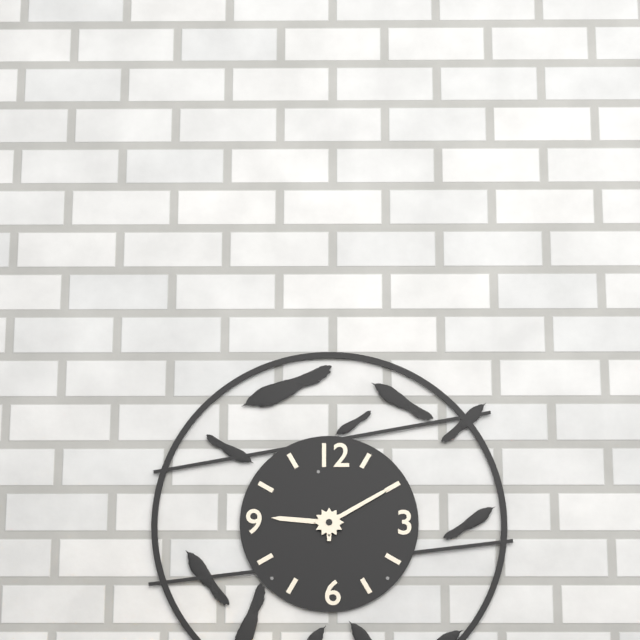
9:10
